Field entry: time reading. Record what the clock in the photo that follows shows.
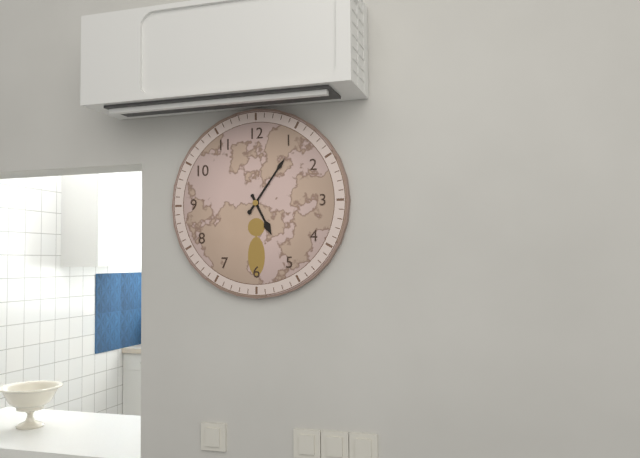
5:06
